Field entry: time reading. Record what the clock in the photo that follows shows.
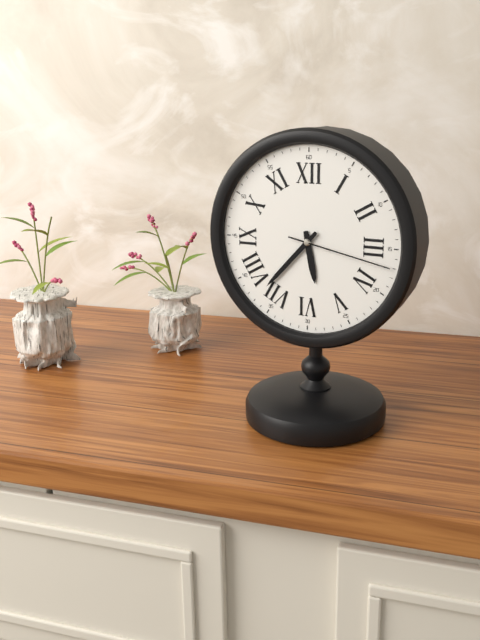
5:37:17
